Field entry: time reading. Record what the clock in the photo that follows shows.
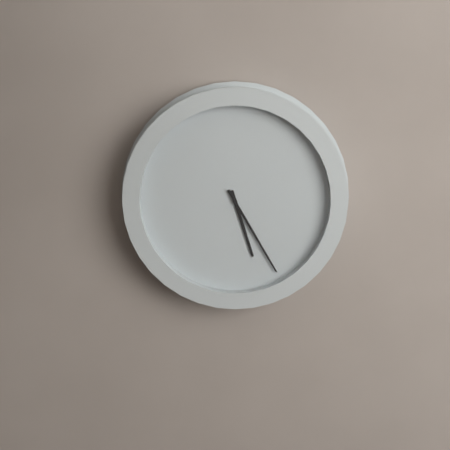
5:25
